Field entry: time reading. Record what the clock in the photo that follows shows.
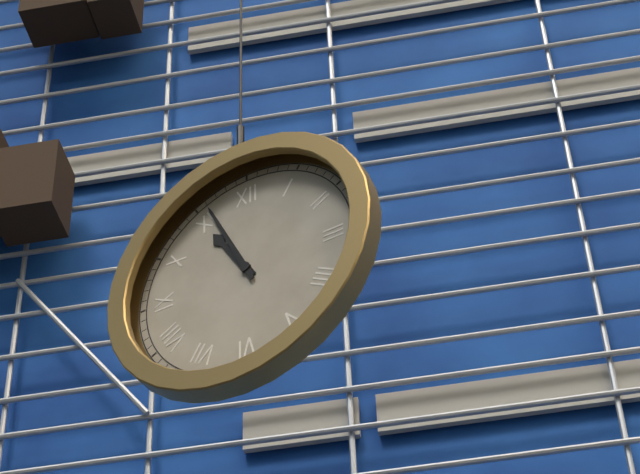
10:56
